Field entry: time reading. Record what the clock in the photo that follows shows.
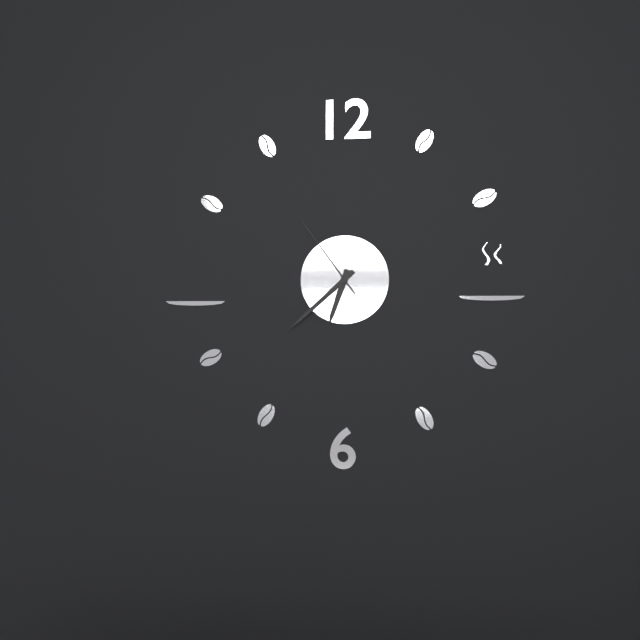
6:38:54
